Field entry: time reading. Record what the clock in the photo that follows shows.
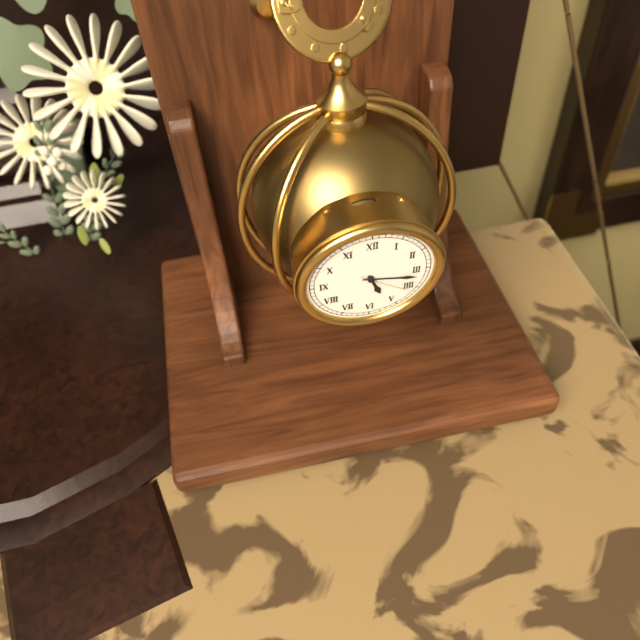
5:17:21
